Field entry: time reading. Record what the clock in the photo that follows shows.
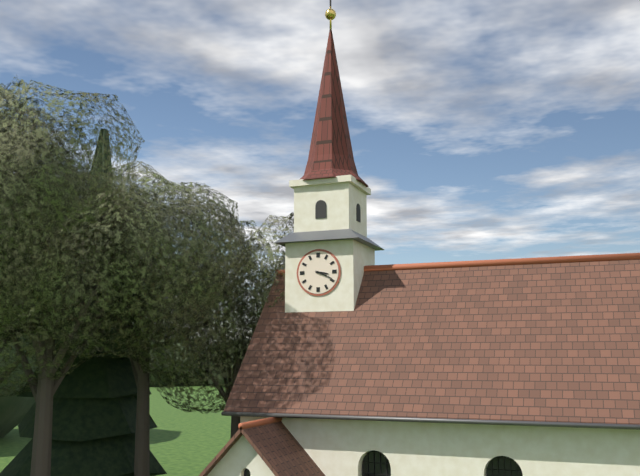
3:19
